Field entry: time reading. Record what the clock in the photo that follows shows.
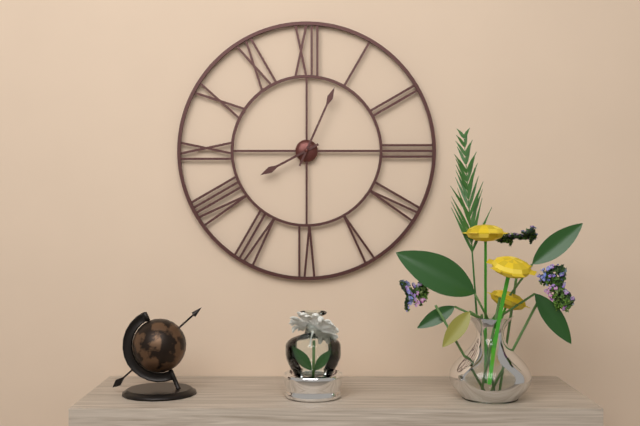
8:04
